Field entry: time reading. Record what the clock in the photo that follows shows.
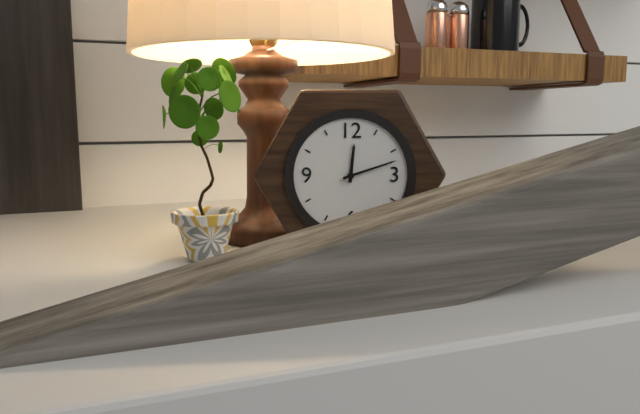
12:12
